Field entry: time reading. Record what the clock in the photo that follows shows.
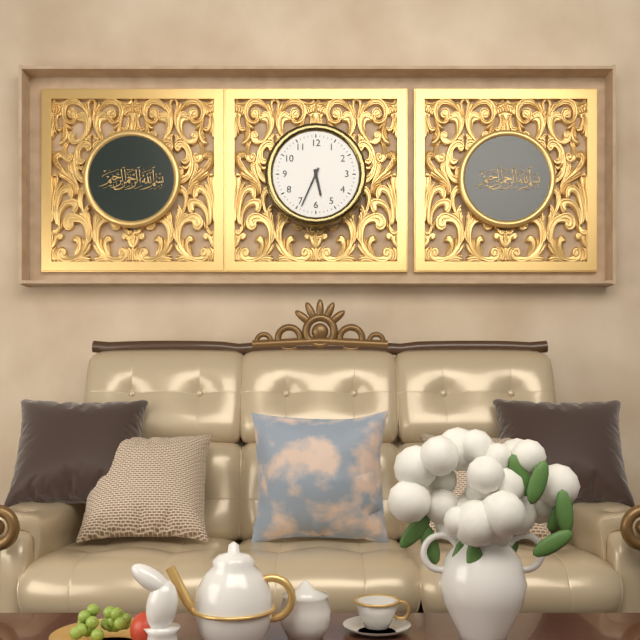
5:34
